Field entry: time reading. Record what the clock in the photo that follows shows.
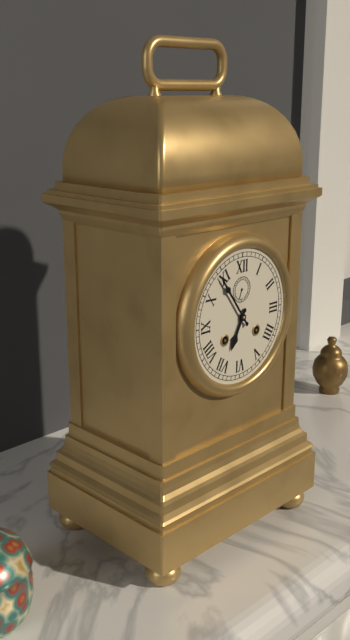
6:54
